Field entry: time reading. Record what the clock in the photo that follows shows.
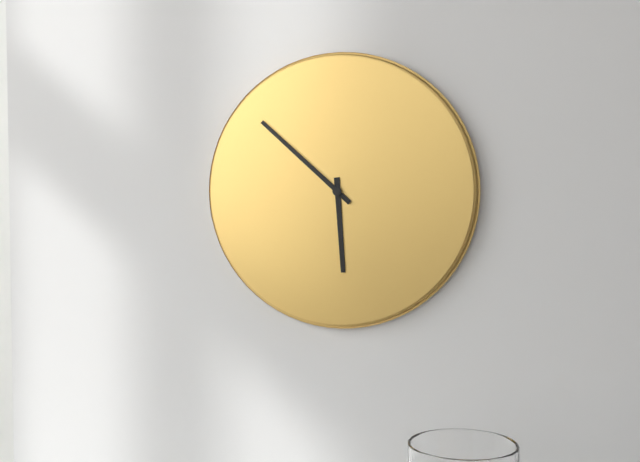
5:52
